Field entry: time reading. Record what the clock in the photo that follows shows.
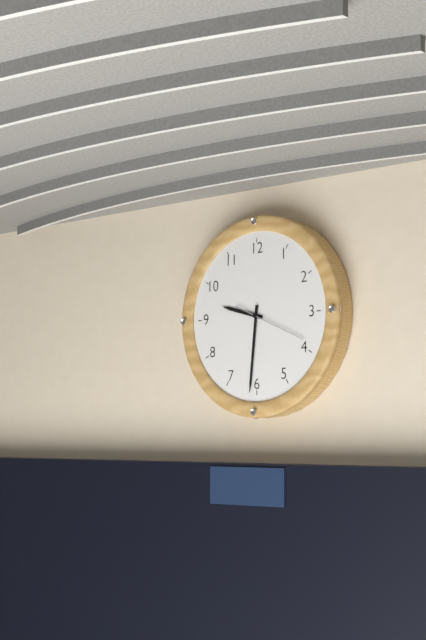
9:31:19
